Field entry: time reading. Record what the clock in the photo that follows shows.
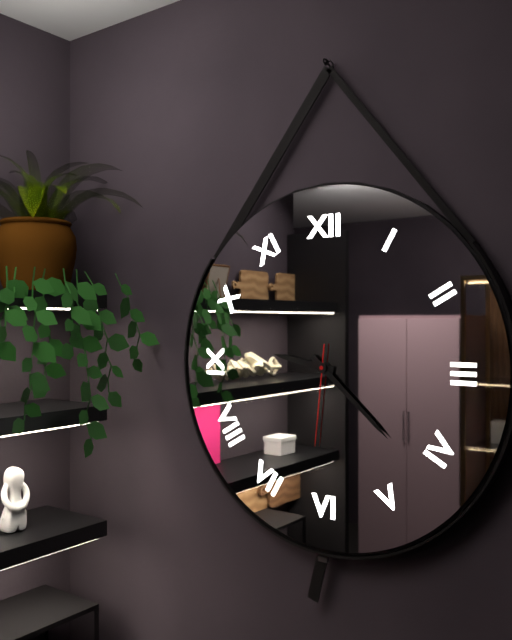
9:22:31
